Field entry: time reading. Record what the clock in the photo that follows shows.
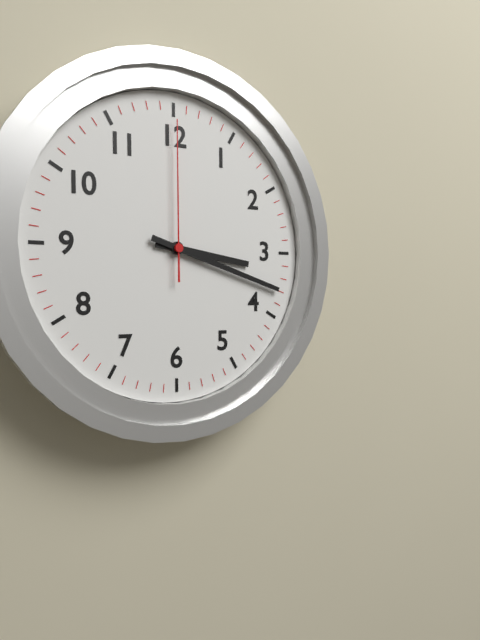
3:18:00
